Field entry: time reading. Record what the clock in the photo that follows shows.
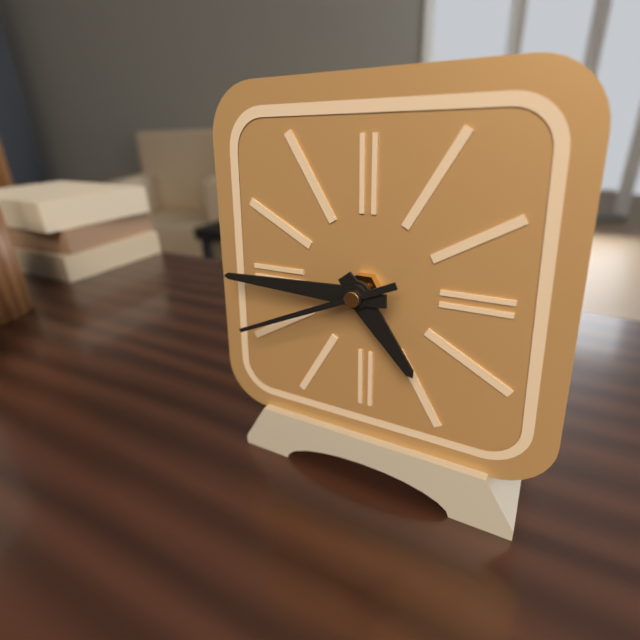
4:45:41
